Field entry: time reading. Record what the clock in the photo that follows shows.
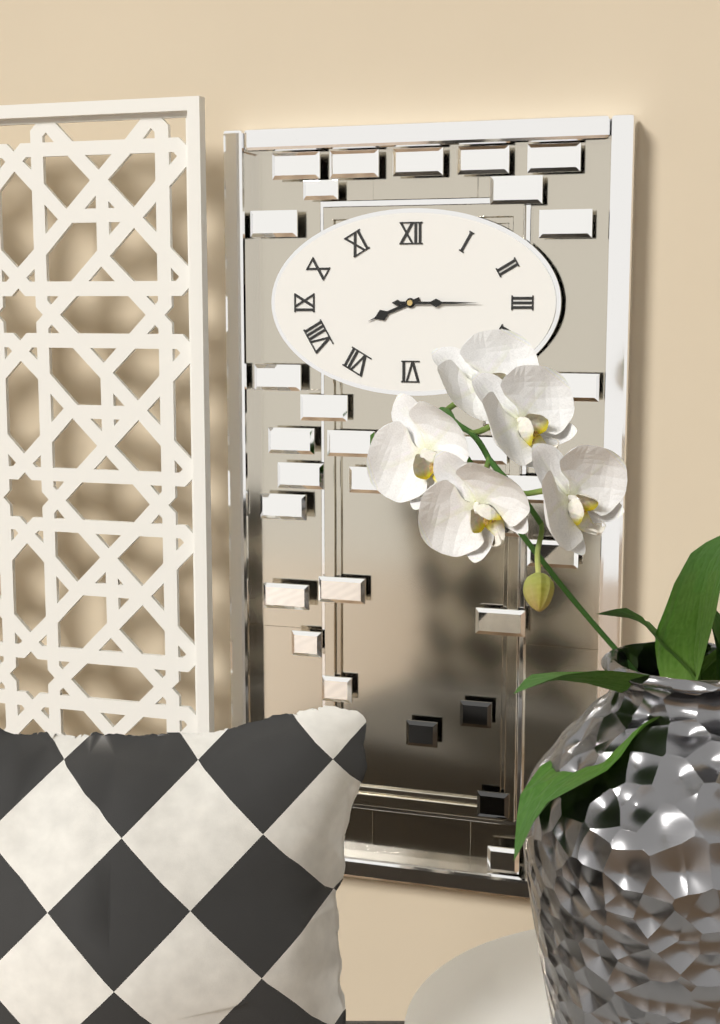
8:15
